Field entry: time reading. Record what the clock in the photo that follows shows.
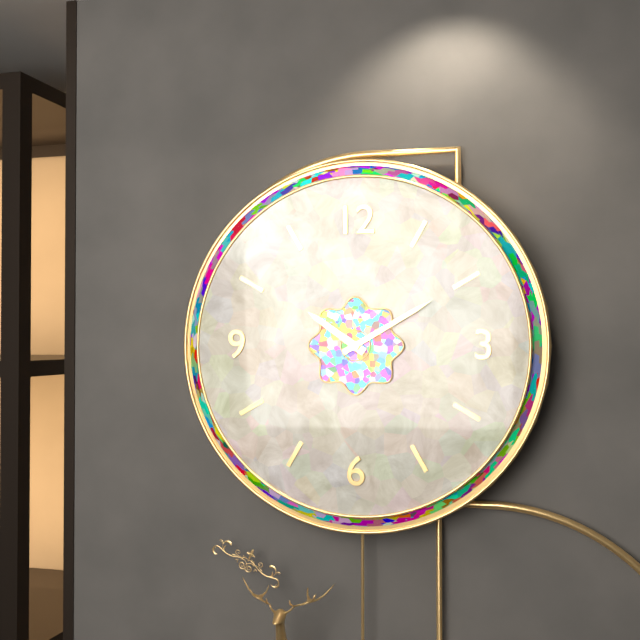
10:10
